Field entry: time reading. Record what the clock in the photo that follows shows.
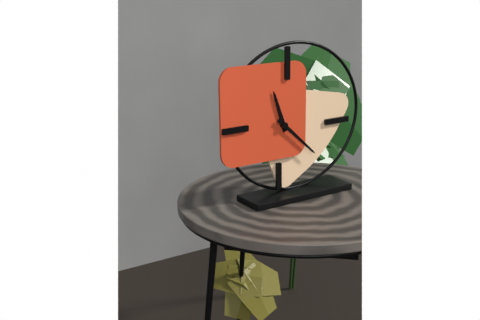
11:22
